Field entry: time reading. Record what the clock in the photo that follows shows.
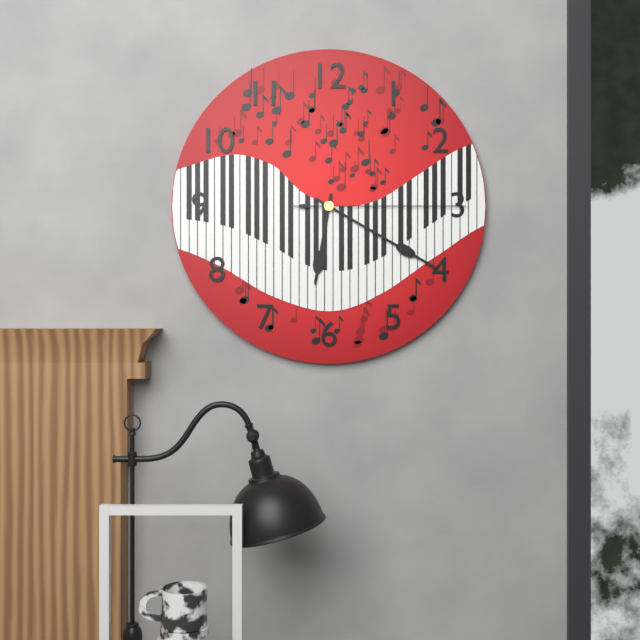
6:20:15
